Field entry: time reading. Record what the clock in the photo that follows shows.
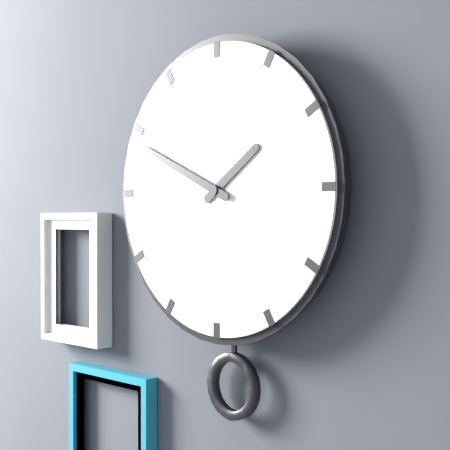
1:49
